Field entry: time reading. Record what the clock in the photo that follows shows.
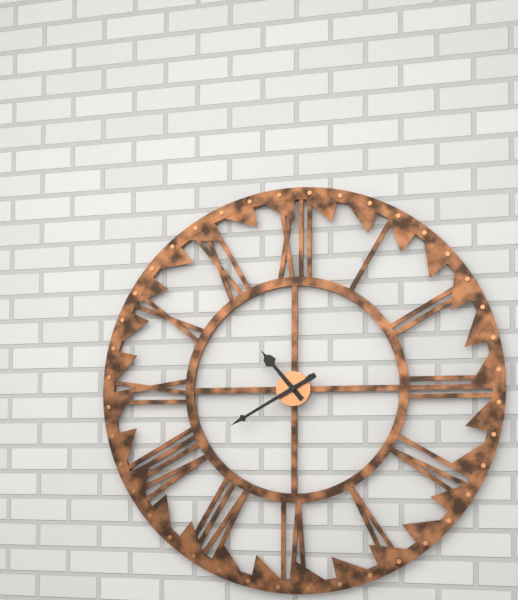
10:40
